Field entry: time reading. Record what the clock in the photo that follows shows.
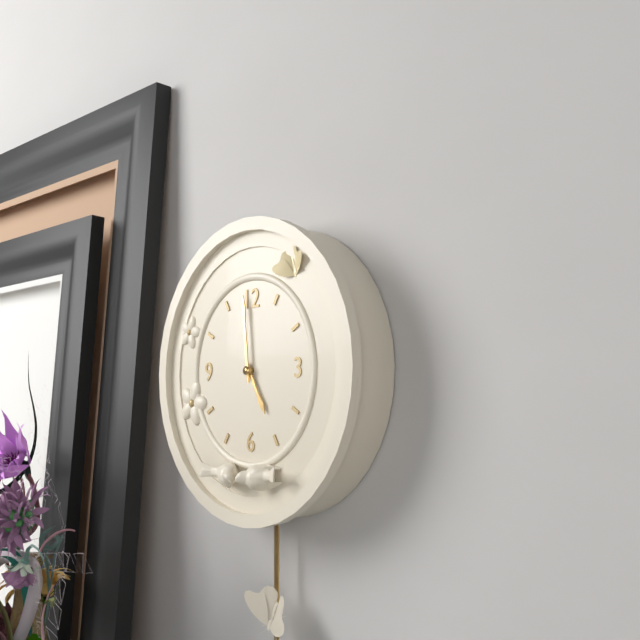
4:59
